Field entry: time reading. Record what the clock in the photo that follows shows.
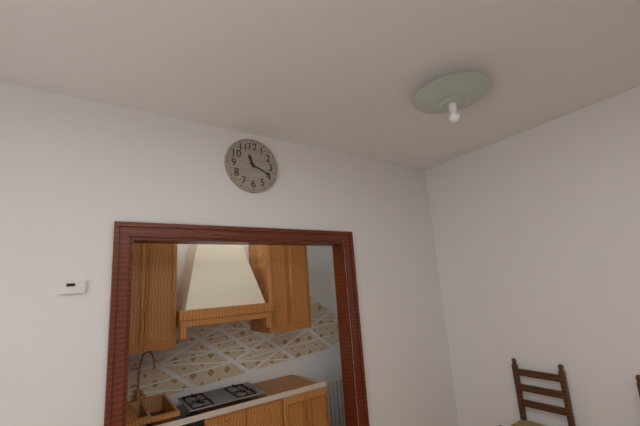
11:19
